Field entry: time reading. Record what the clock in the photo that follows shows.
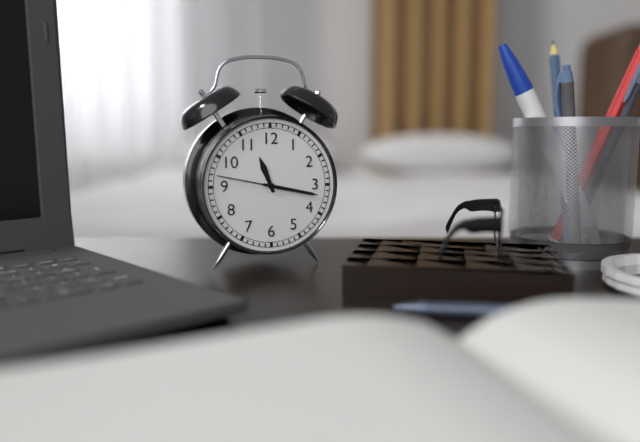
11:17:47
